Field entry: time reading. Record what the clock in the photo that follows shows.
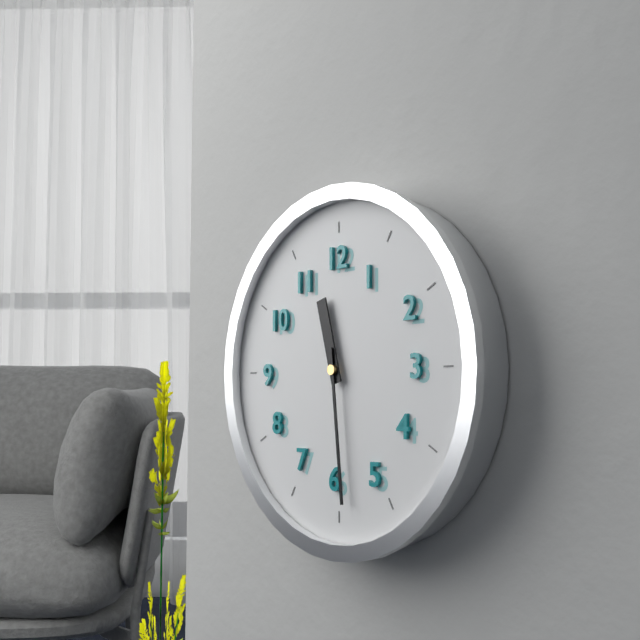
11:29
